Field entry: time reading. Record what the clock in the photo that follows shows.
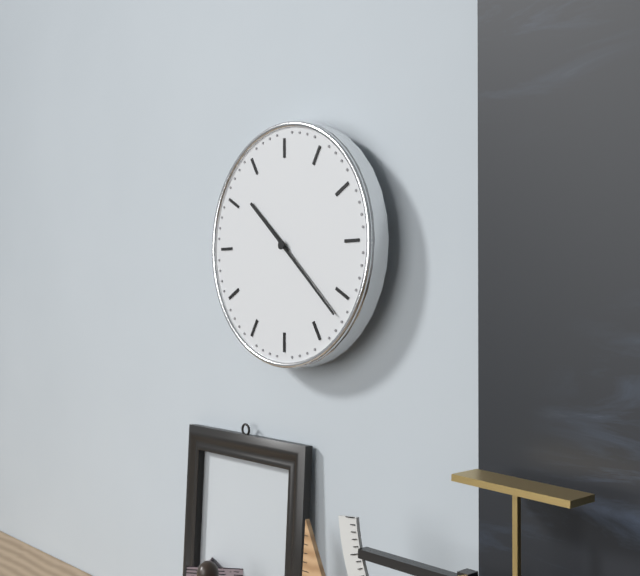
10:22
